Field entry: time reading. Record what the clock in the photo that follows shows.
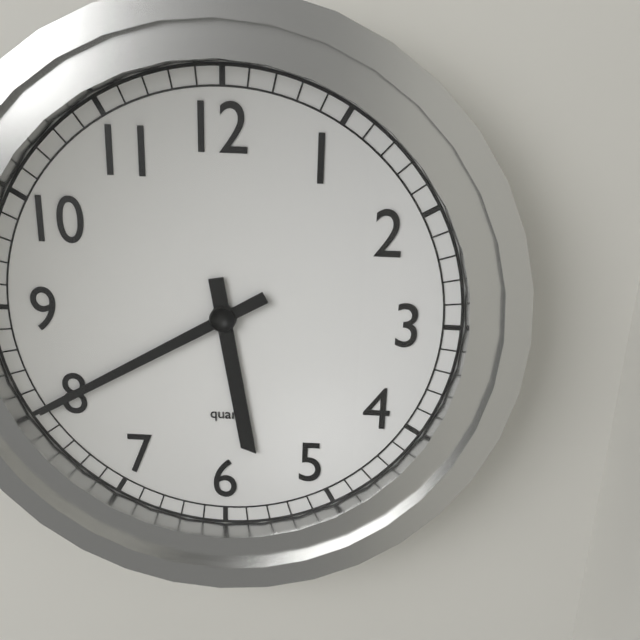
5:40
